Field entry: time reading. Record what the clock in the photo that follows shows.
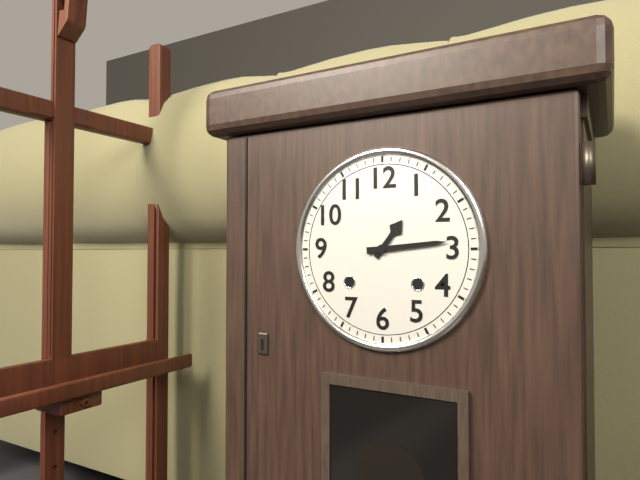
1:14
